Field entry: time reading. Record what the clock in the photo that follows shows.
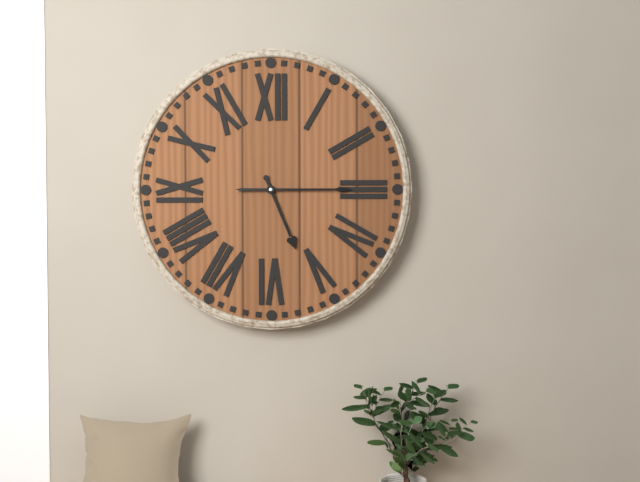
5:15
